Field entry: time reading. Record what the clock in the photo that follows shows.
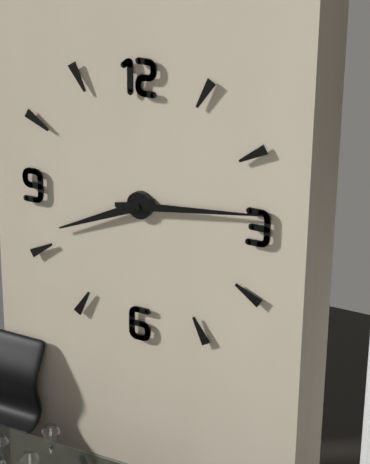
8:14
